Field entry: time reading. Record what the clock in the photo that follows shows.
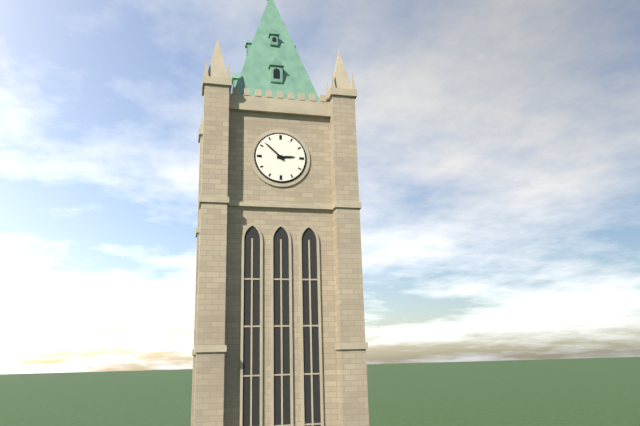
2:52
